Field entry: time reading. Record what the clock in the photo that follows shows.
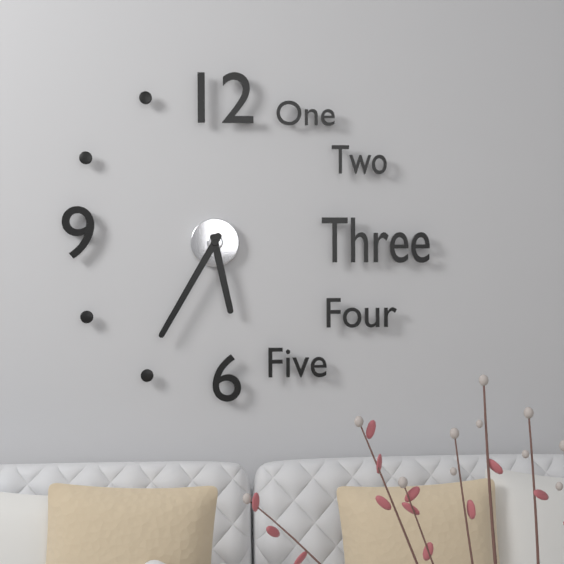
5:35
